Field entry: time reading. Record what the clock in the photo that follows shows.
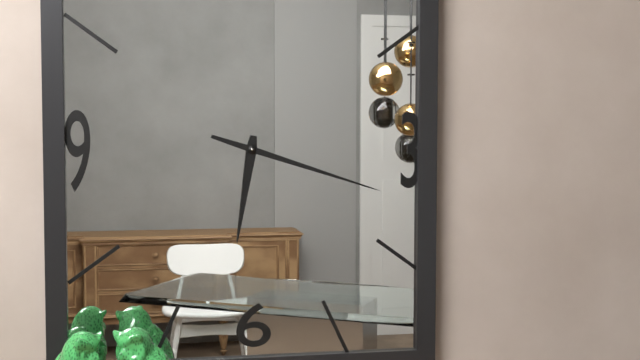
6:18
